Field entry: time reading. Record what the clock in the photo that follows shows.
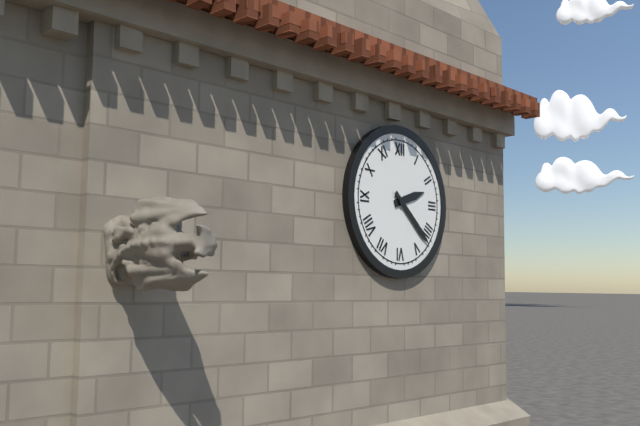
2:22
